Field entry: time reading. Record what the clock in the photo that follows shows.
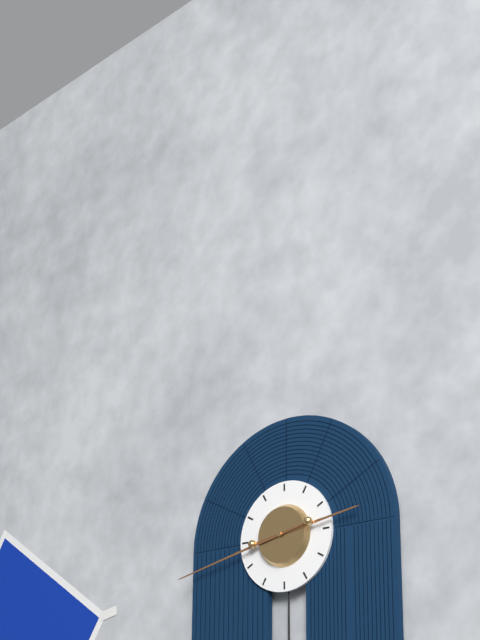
2:43
